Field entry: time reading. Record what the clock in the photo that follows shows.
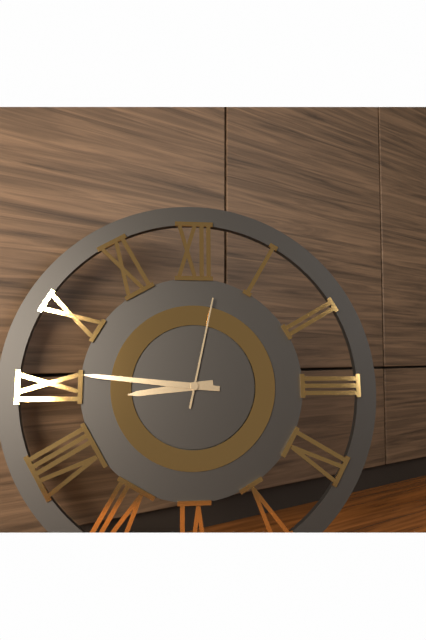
8:46:02
